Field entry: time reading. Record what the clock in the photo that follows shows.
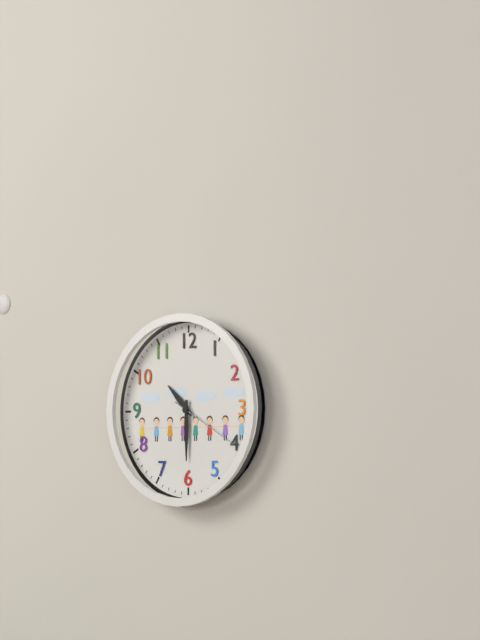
10:30:20
